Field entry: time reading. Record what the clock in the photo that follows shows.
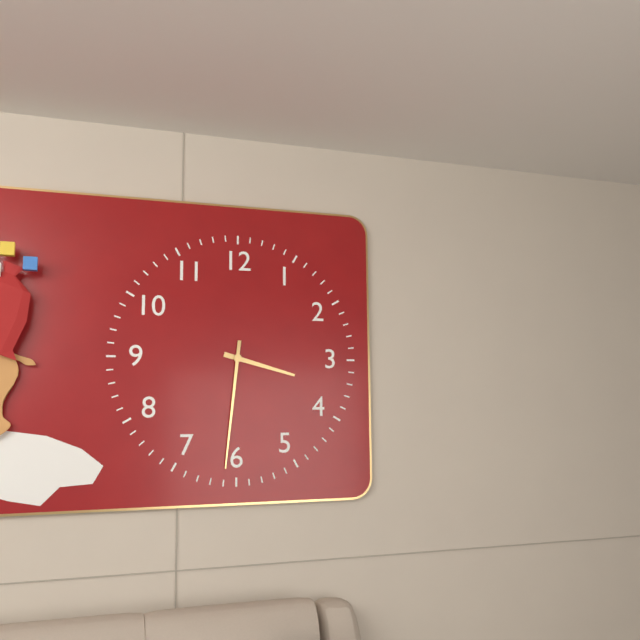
3:31
